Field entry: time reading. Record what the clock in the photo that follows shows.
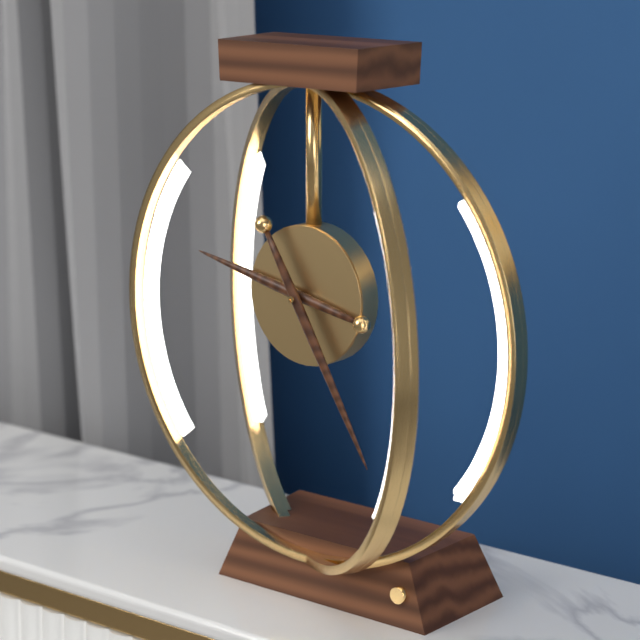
9:25
